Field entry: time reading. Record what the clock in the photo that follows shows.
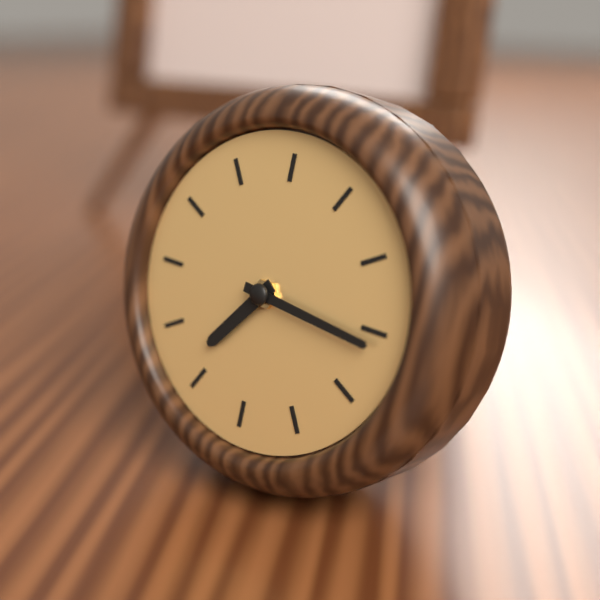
7:16
